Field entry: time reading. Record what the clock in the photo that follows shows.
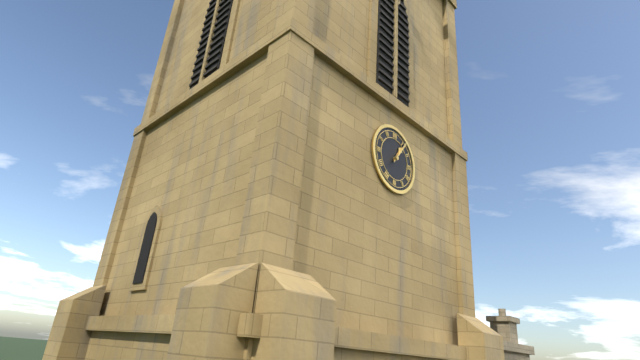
1:06
